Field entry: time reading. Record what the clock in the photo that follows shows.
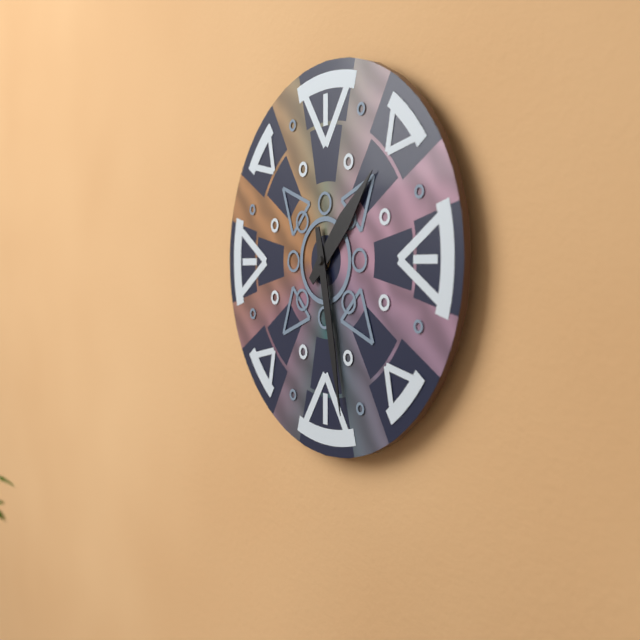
1:28
